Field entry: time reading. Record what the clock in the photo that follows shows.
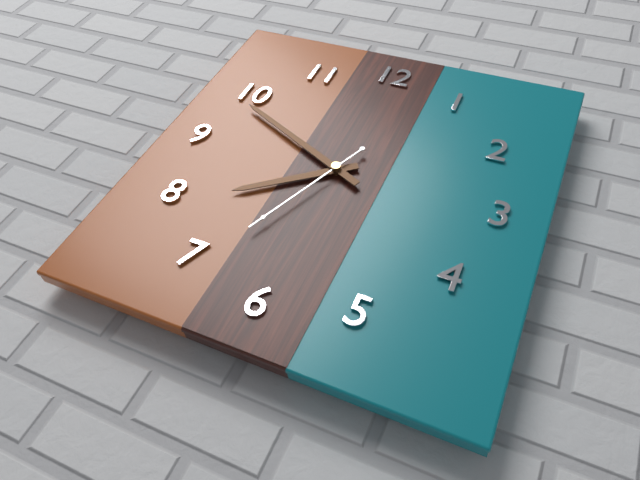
7:49:34
